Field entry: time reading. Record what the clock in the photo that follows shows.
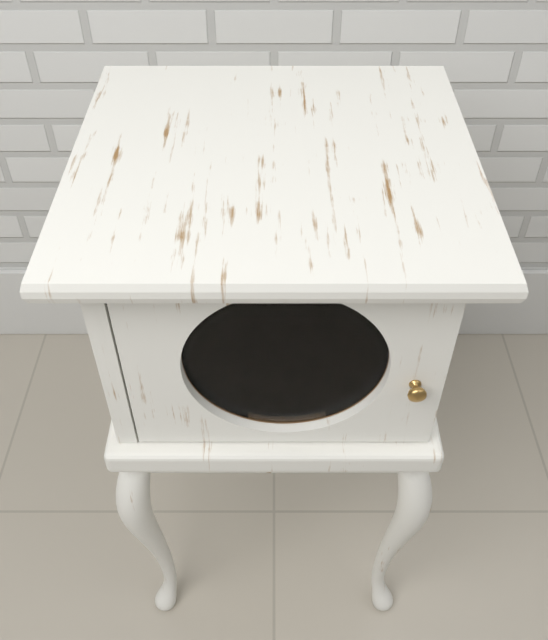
10:10:42
